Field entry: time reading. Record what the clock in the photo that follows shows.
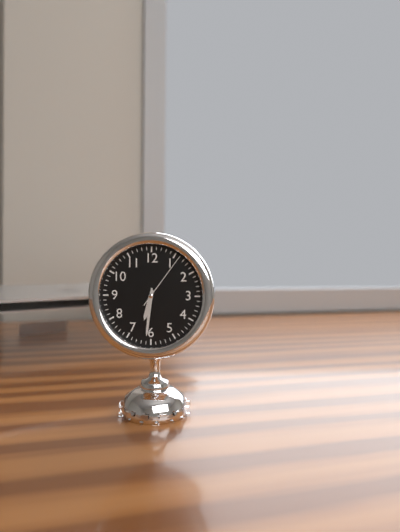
6:31:06
